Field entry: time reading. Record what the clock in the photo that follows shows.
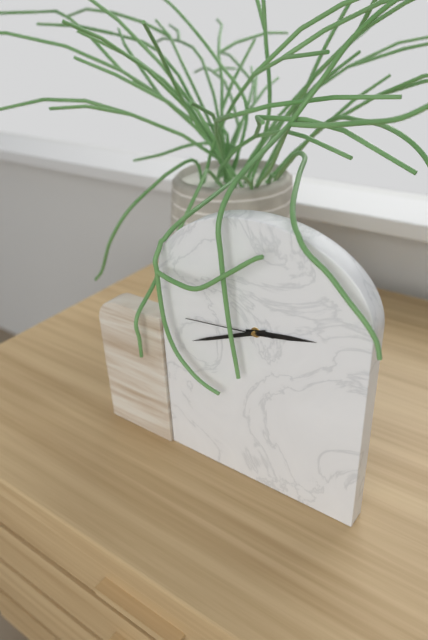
2:41:44
